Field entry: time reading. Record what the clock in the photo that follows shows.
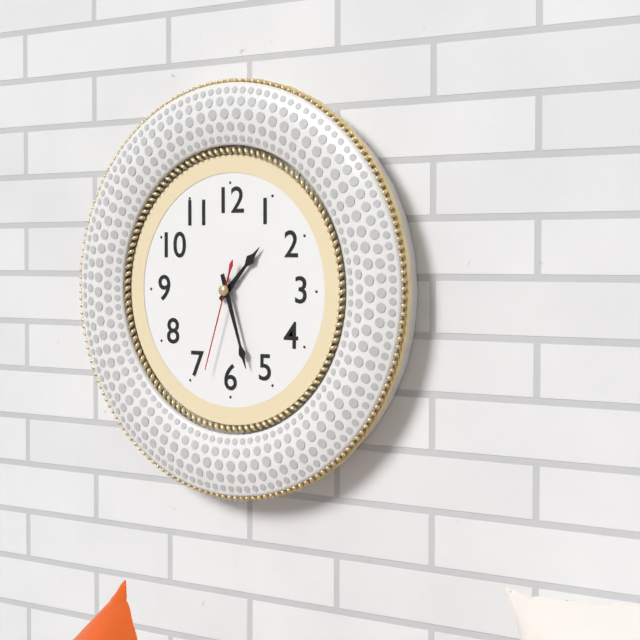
1:27:33
